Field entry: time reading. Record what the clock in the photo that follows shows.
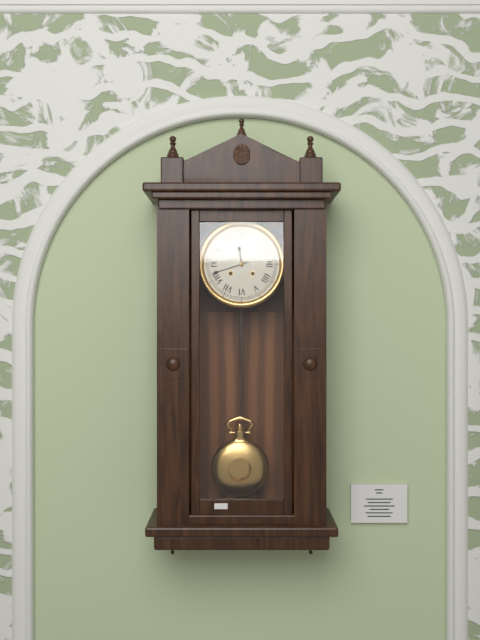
11:42
